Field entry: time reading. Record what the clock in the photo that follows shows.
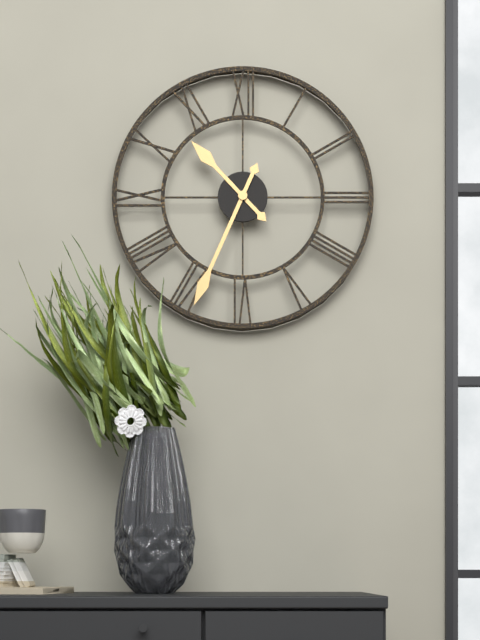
10:34
